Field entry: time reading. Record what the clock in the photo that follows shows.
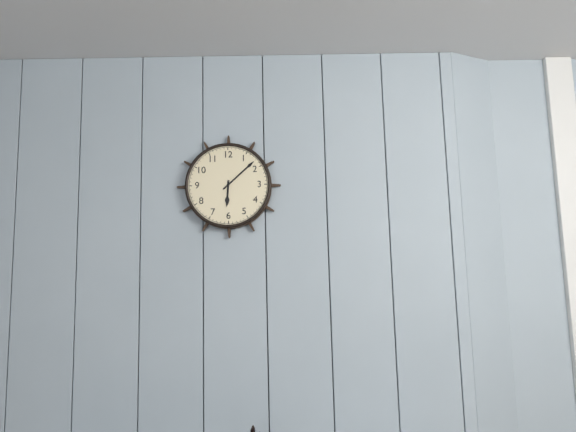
6:08
